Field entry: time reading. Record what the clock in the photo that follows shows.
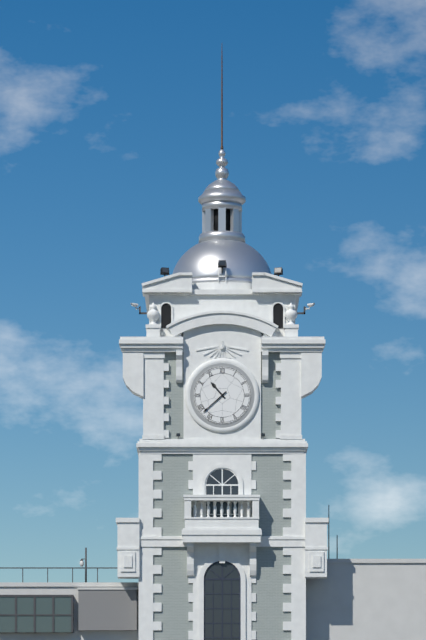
10:38
